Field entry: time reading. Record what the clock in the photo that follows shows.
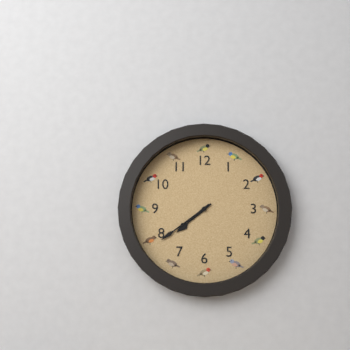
7:39
